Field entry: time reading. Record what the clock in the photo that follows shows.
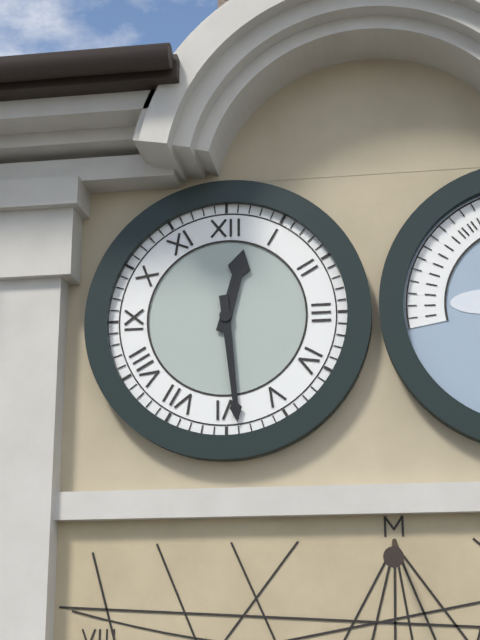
12:29
